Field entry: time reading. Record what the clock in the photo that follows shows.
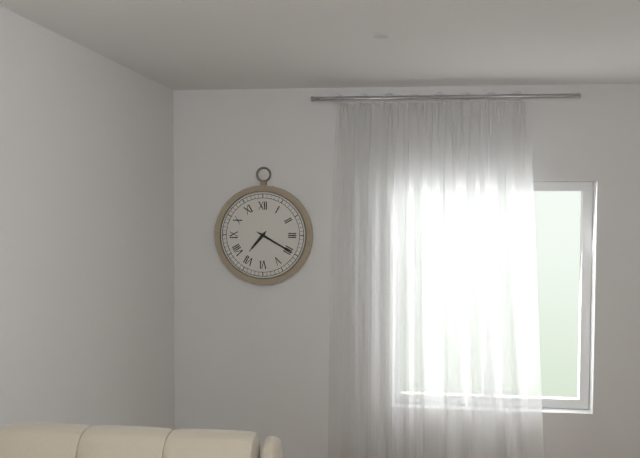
7:20
